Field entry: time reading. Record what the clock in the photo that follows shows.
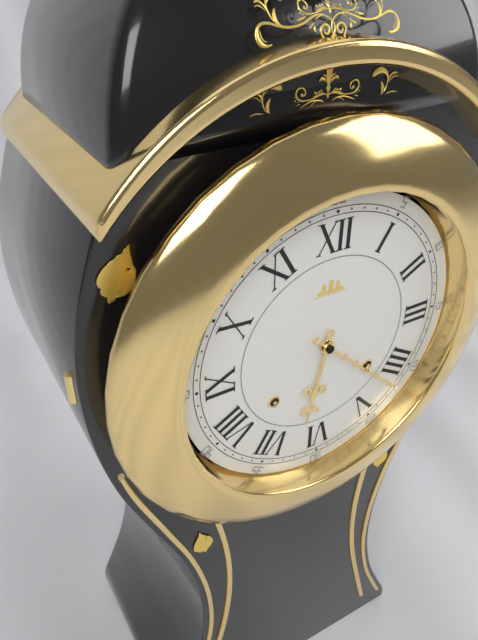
6:22
